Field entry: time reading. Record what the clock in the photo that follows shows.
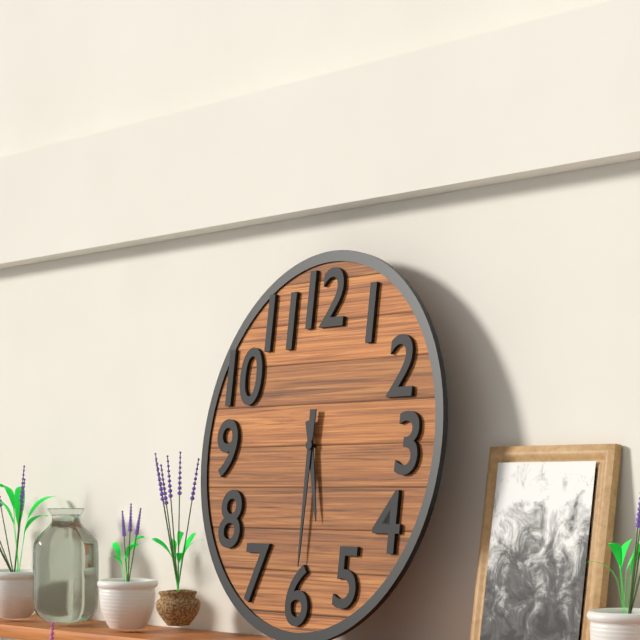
5:30
